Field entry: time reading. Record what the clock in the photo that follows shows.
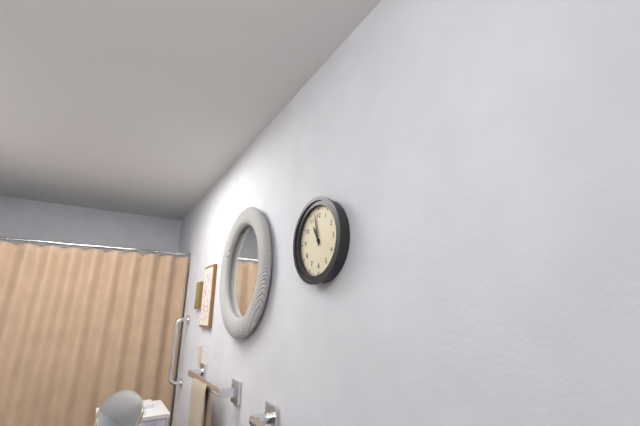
10:58
